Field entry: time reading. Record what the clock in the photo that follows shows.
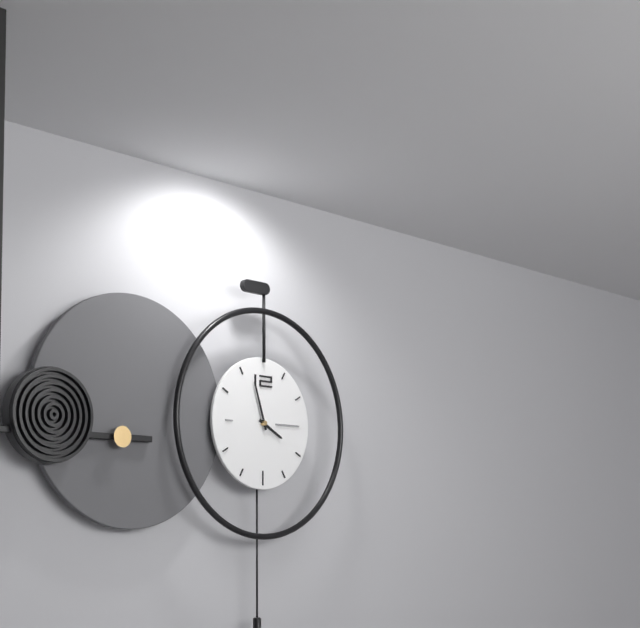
3:57
